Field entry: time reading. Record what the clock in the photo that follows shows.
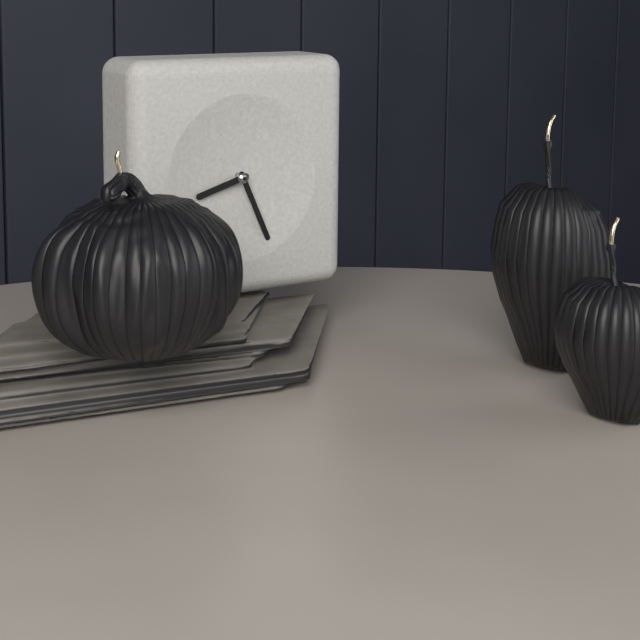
8:26
